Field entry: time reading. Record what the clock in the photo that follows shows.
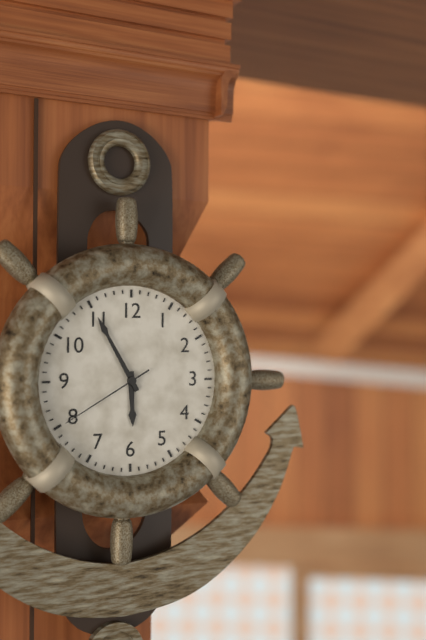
5:55:40
